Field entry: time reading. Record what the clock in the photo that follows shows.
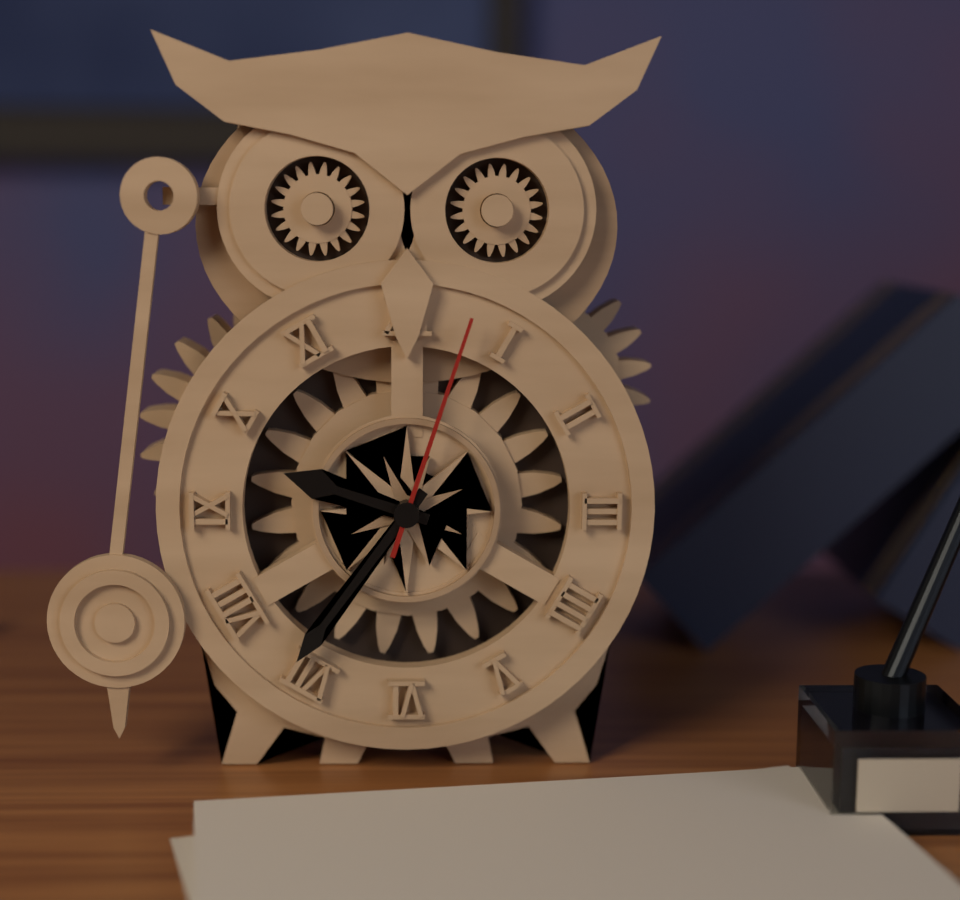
9:36:03
